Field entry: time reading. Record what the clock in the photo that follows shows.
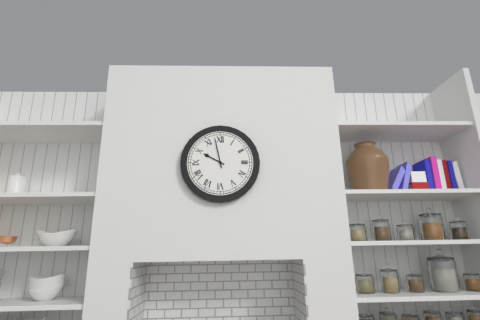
9:58
